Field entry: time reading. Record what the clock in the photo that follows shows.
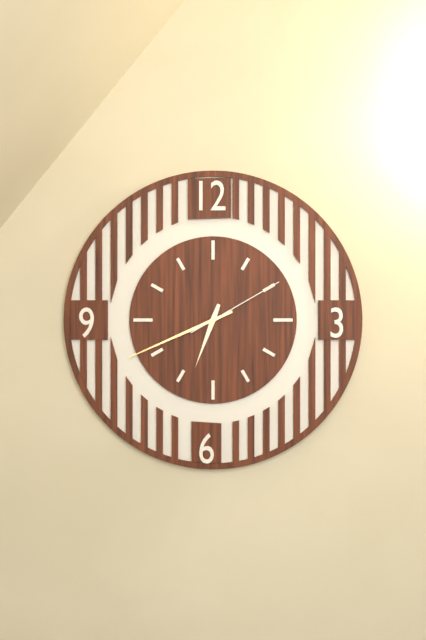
6:41:10
